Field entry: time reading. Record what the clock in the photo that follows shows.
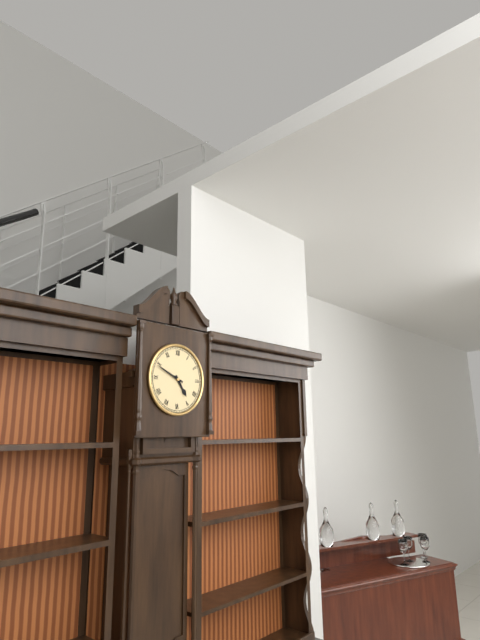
4:49
